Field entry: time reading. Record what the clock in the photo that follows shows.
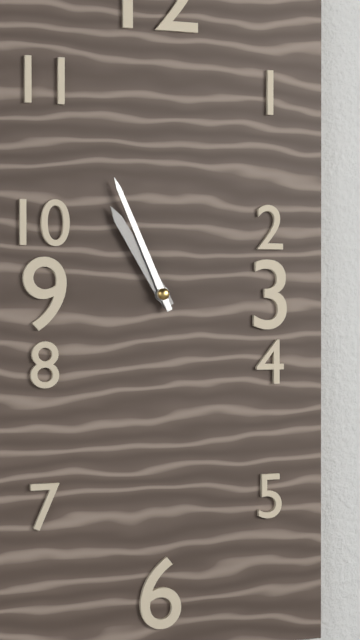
10:56
